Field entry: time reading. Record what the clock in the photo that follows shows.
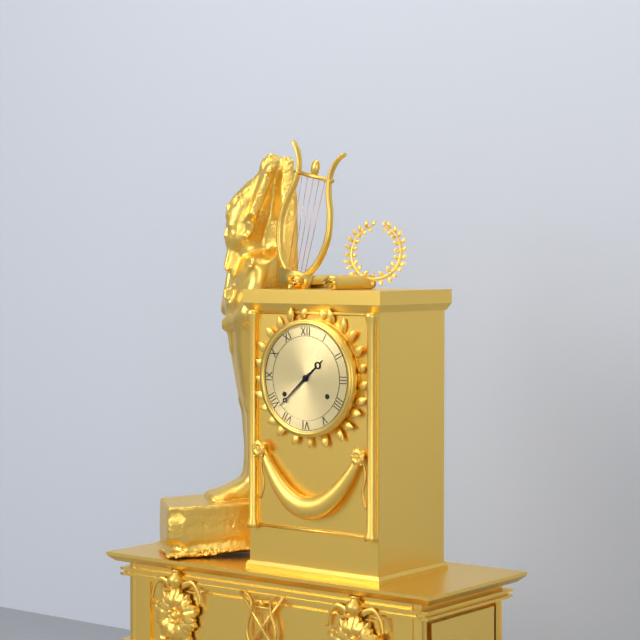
1:38
